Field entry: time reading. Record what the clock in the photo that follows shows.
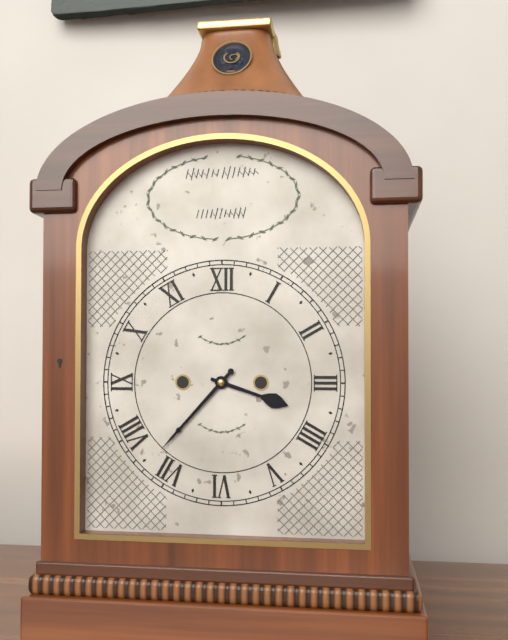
3:37
